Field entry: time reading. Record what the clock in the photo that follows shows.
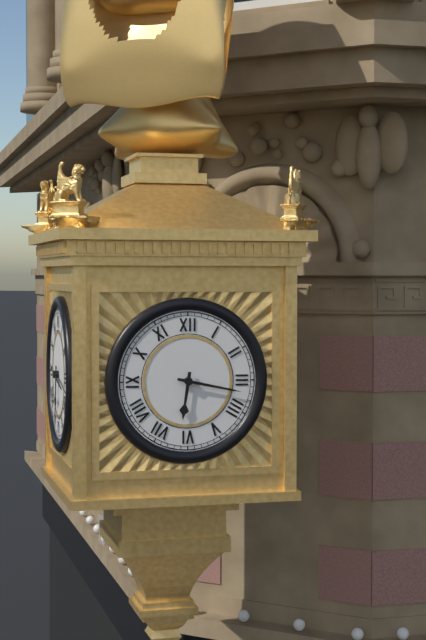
6:17
